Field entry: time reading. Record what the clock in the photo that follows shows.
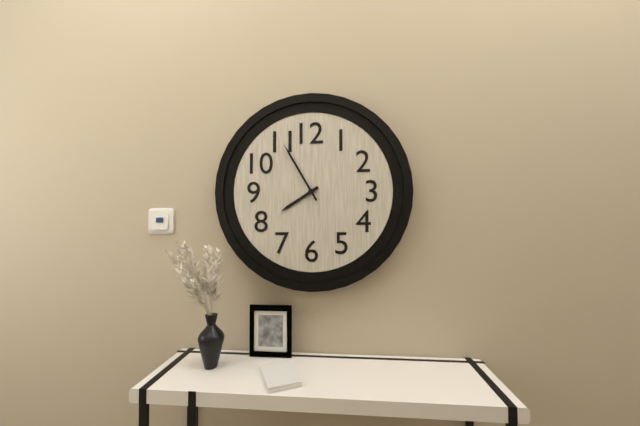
7:55
